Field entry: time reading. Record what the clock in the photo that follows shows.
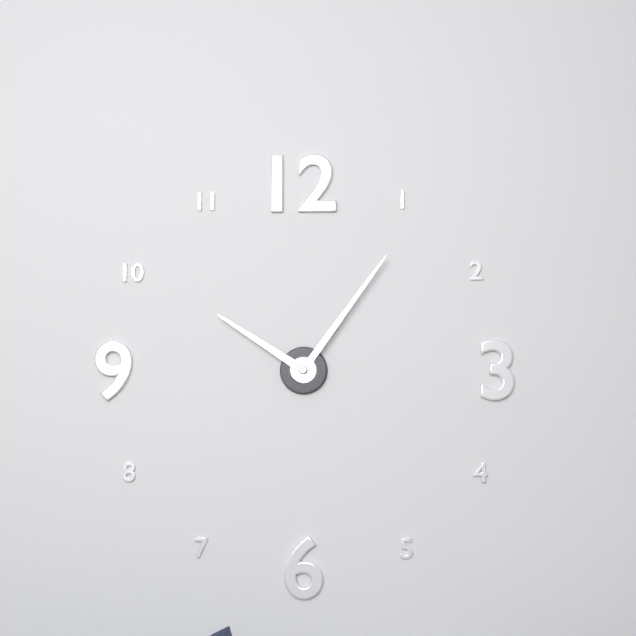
10:06
